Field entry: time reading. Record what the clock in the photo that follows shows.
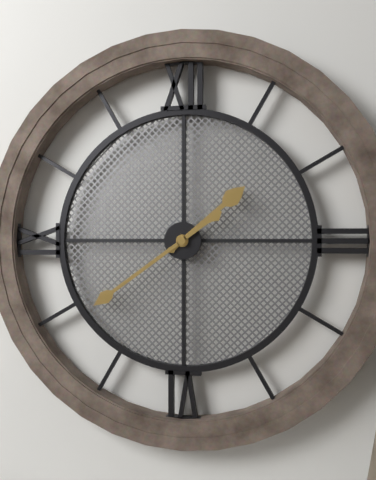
1:39
